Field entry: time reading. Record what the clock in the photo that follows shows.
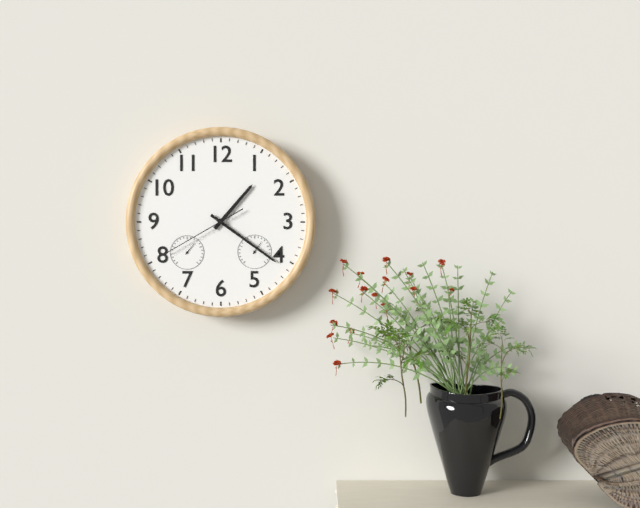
1:21:40
